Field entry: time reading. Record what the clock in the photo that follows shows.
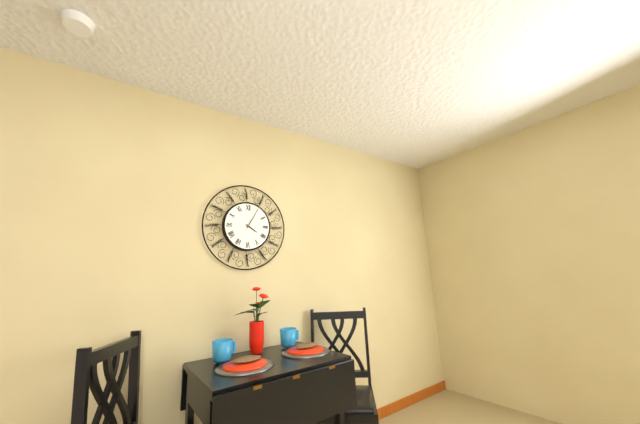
4:05
